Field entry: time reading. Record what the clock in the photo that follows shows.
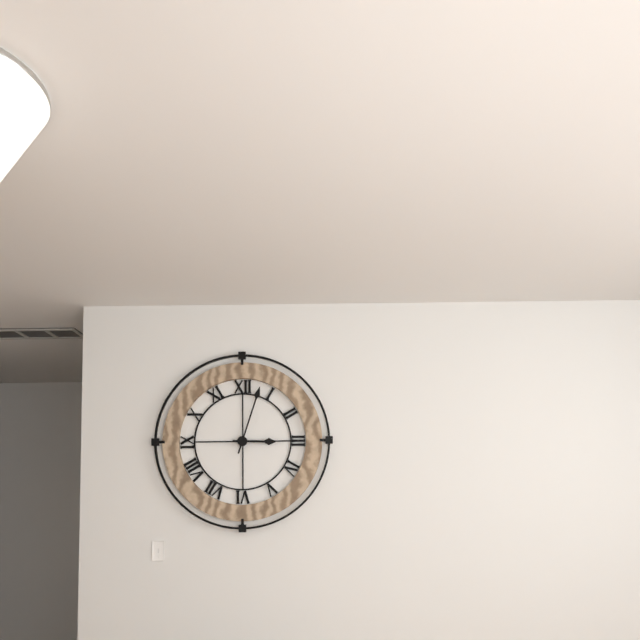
3:03
